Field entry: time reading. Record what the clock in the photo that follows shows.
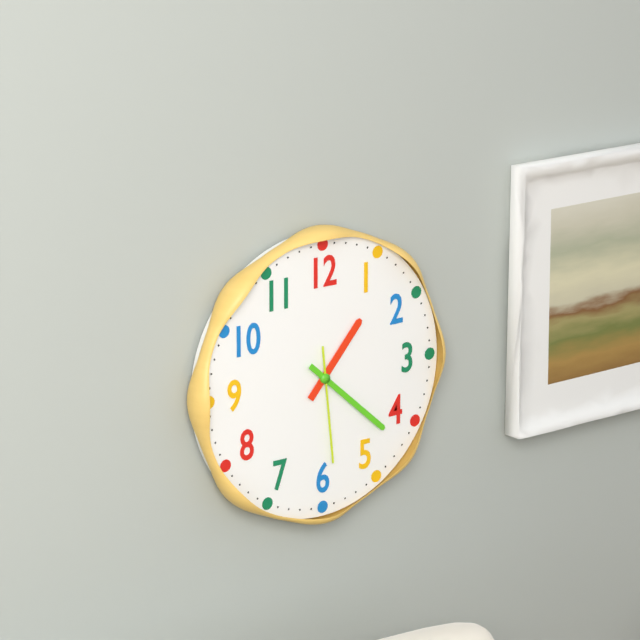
1:22:29
